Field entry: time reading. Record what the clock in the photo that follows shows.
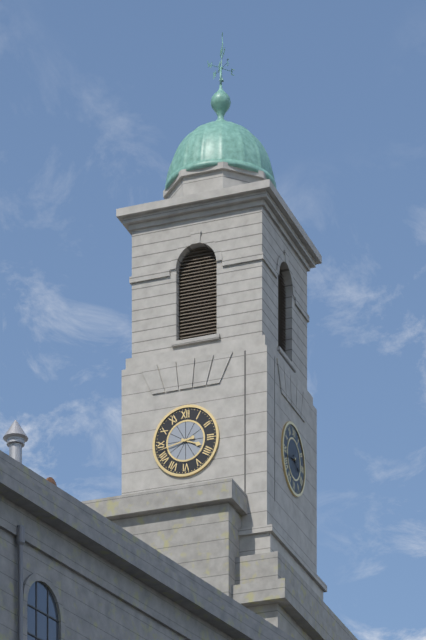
3:43
